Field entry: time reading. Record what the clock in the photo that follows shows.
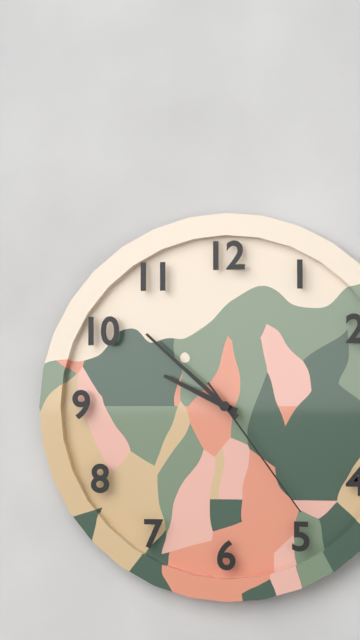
9:52:24
